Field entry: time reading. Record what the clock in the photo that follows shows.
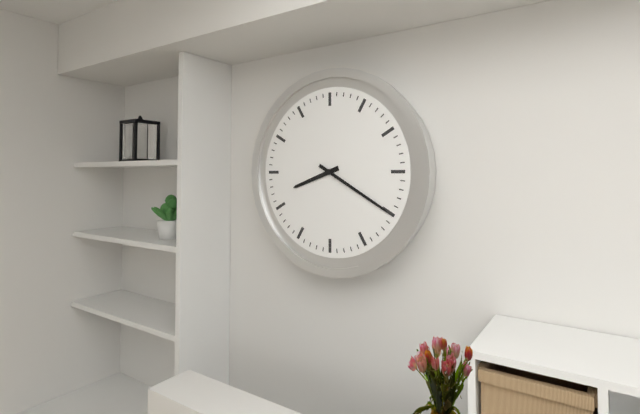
8:20
